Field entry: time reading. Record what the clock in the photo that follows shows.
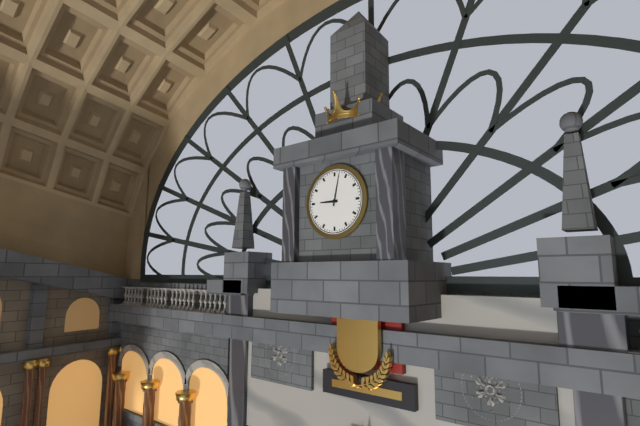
9:02
